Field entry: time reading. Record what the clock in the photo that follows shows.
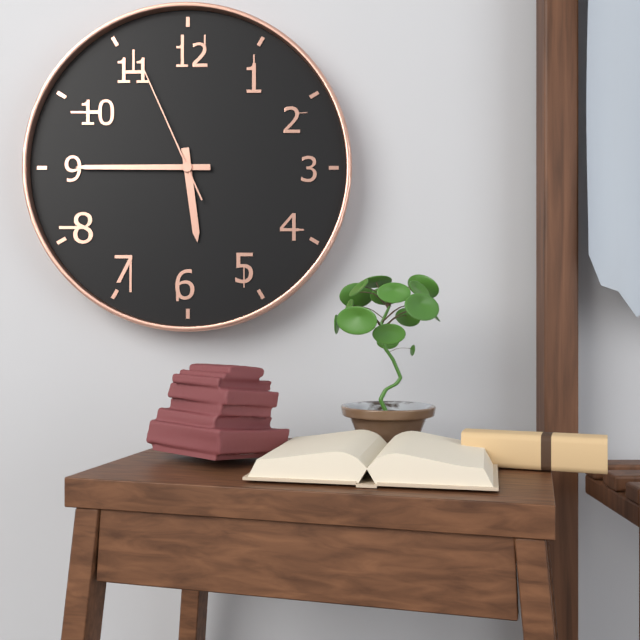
5:45:56
